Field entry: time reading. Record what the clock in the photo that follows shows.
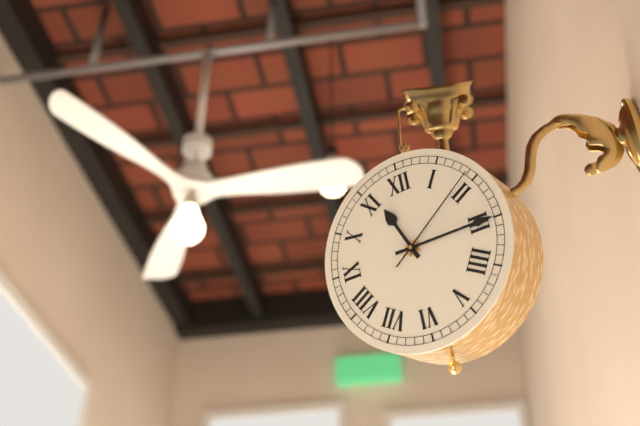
11:15:09
